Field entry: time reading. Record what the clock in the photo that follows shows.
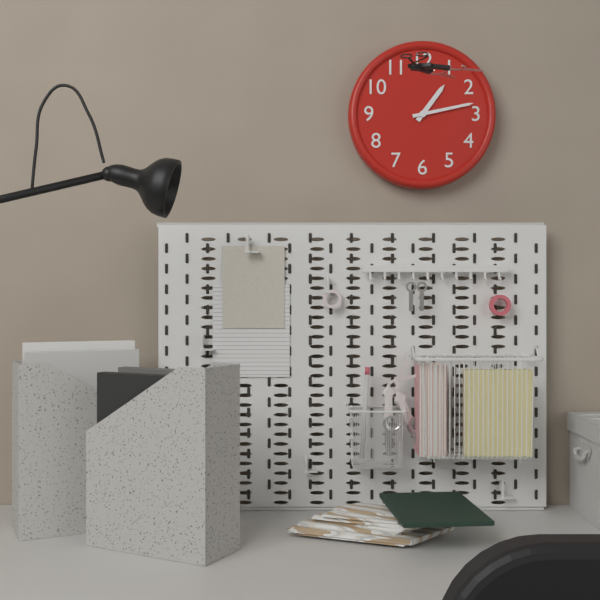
1:13
